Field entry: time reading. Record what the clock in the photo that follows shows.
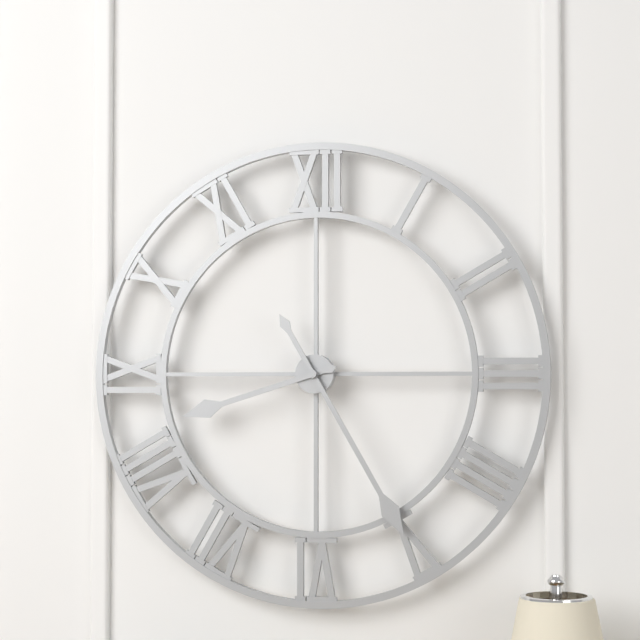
8:25
